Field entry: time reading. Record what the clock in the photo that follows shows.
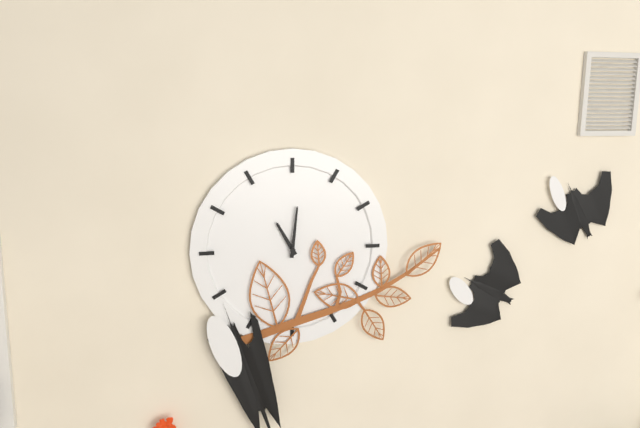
11:01
